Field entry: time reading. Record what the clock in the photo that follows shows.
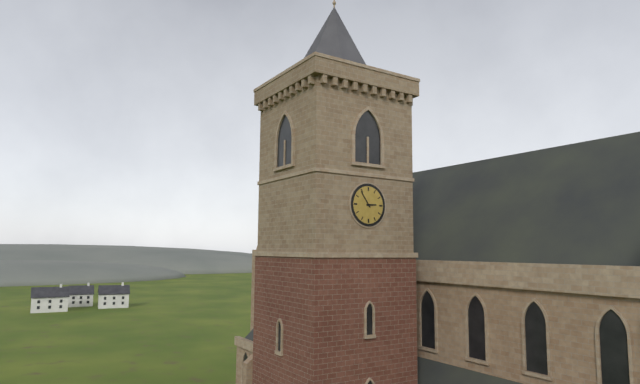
2:54
